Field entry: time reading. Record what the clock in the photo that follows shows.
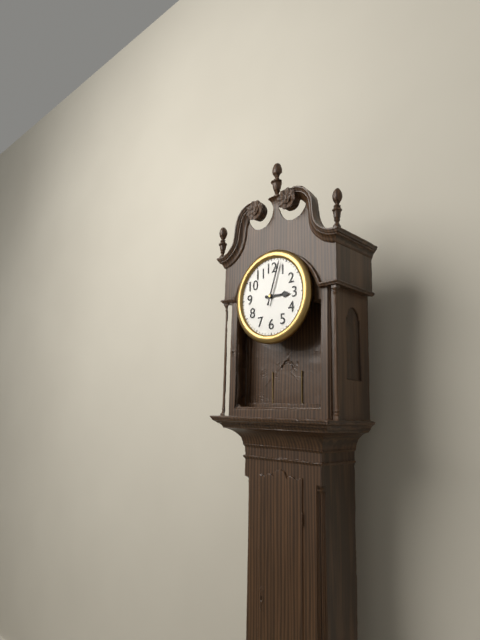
3:03
